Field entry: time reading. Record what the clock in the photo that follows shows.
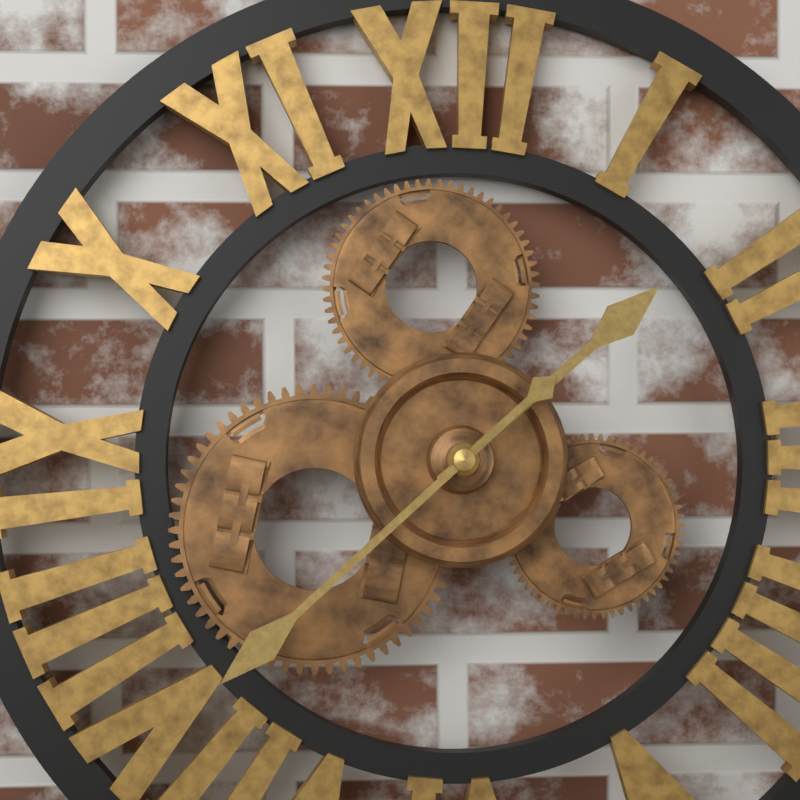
1:38
